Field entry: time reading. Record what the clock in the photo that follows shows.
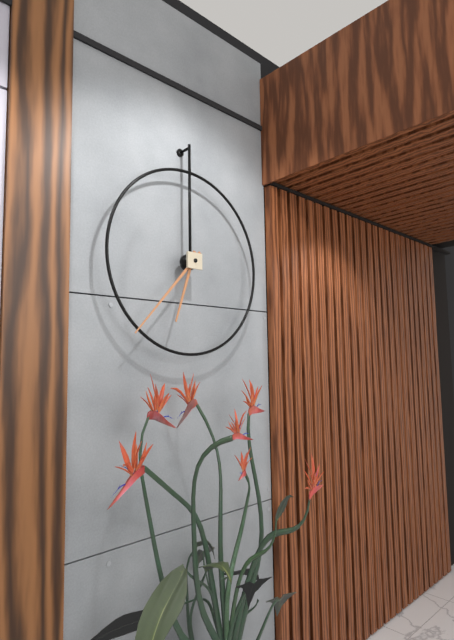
6:37
